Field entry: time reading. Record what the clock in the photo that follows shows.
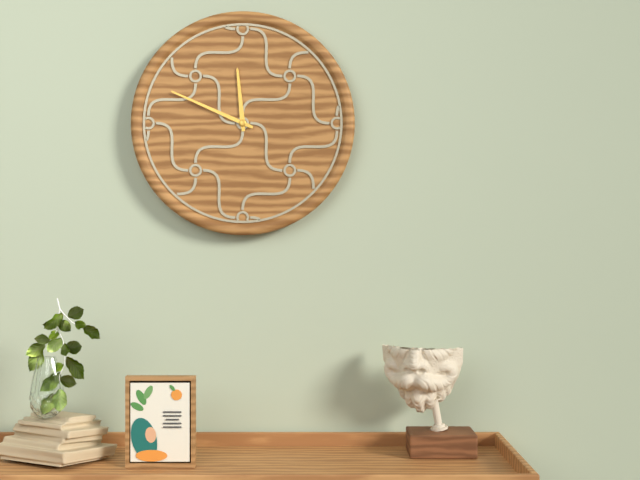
11:49
